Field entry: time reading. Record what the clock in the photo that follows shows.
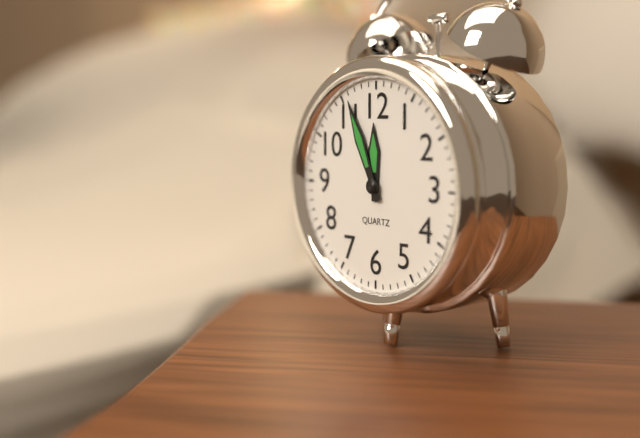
11:56
